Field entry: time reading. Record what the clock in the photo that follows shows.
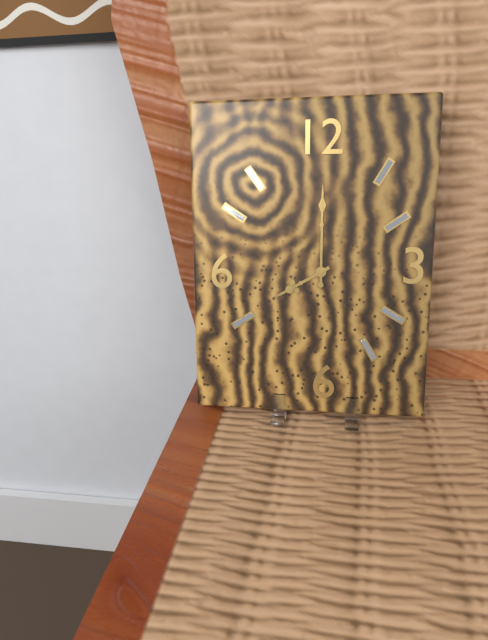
8:00
